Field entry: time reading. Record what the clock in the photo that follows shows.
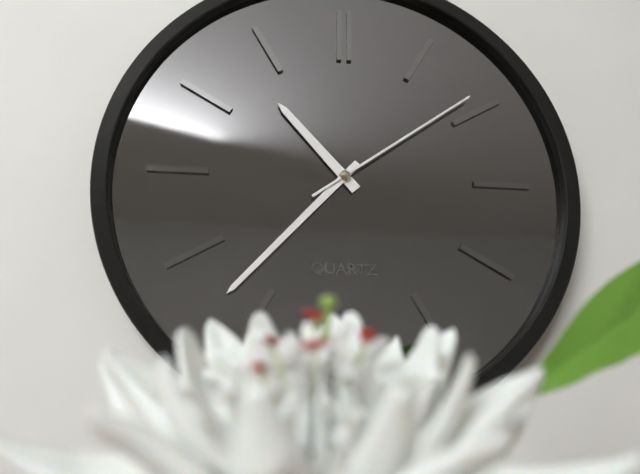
10:37:09
